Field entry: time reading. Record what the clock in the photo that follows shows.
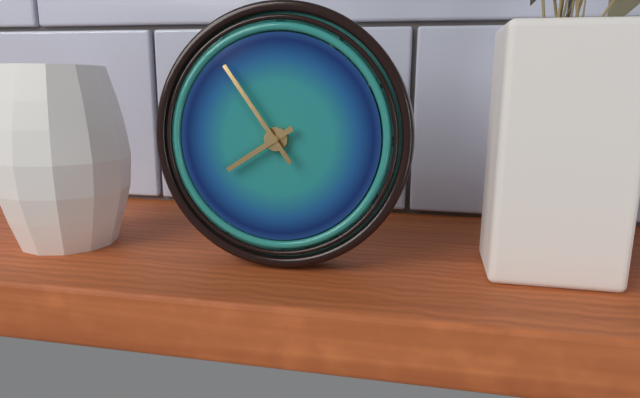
7:54
